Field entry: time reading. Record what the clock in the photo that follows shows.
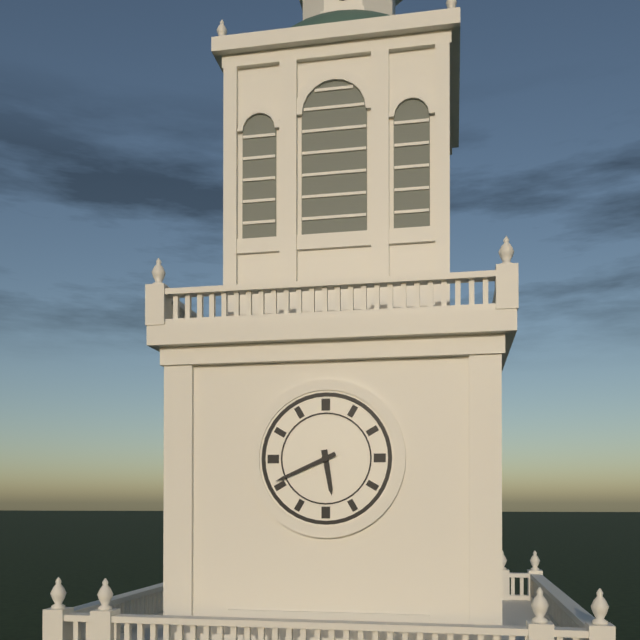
5:41
